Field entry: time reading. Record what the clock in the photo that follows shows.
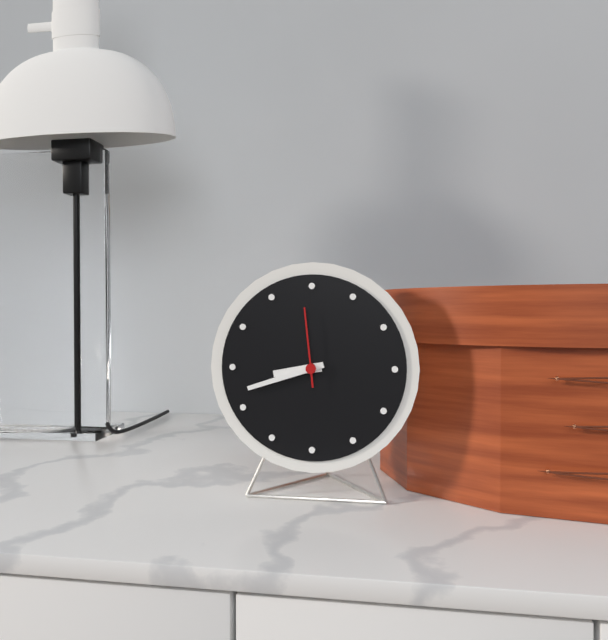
8:42:59
